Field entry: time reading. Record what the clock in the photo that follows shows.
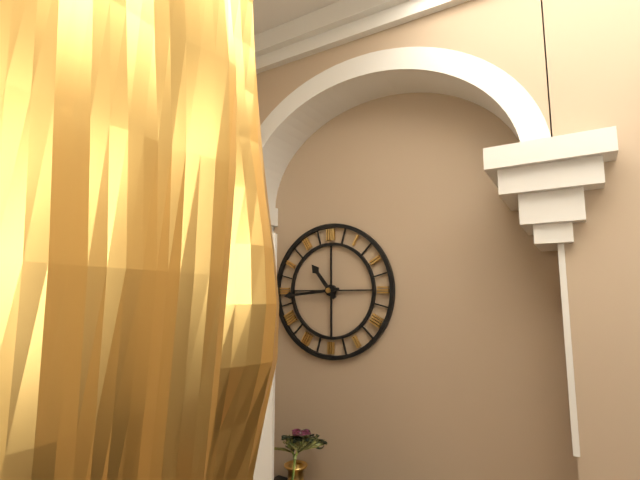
10:44
